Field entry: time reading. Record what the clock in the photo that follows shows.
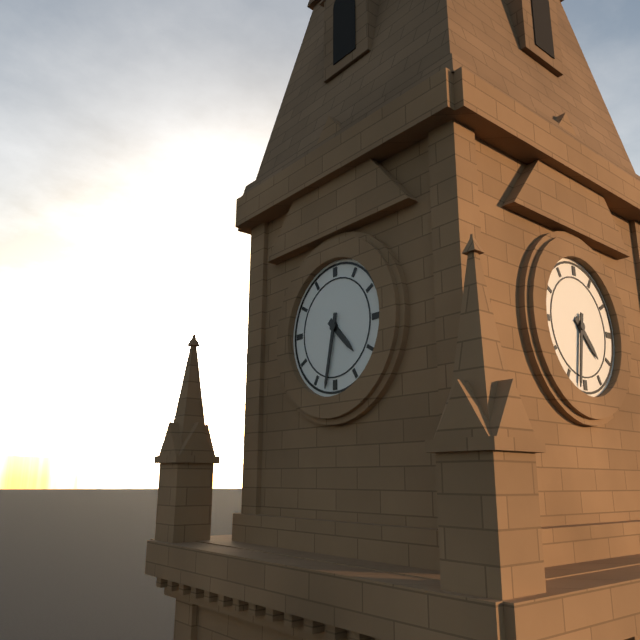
4:32
